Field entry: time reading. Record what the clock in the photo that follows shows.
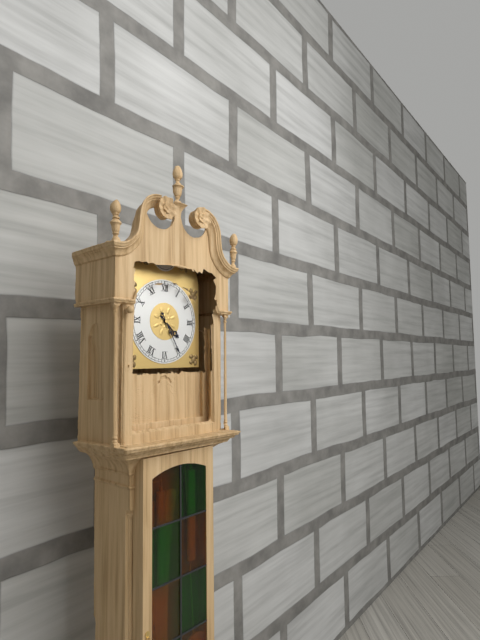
4:25
